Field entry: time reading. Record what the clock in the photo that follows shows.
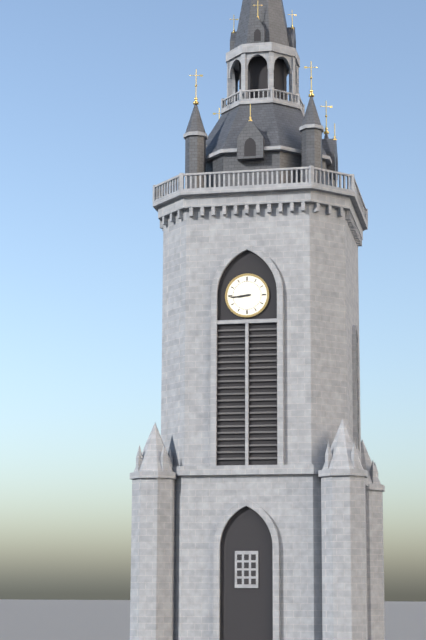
8:44
